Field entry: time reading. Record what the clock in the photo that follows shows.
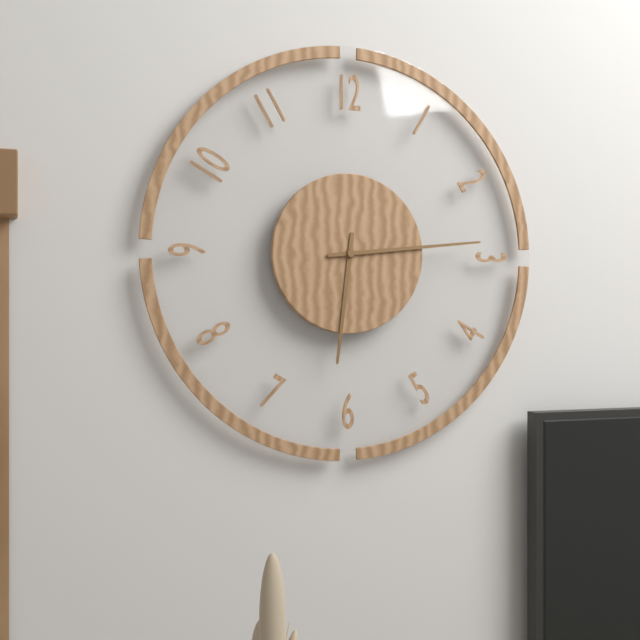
6:14
